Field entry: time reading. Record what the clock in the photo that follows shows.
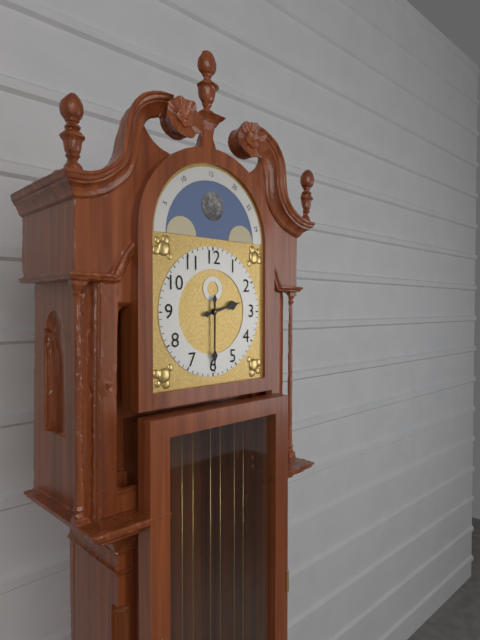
2:30
